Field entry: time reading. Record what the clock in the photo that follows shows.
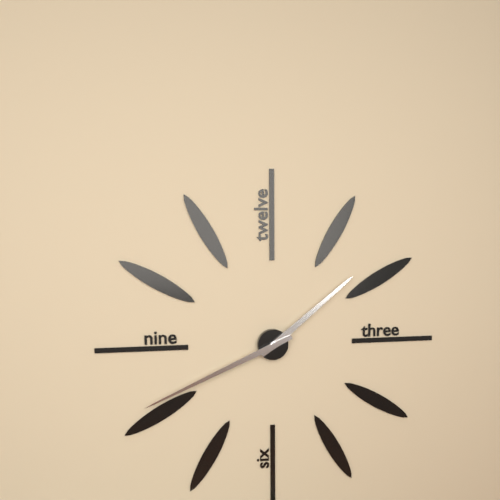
1:41
